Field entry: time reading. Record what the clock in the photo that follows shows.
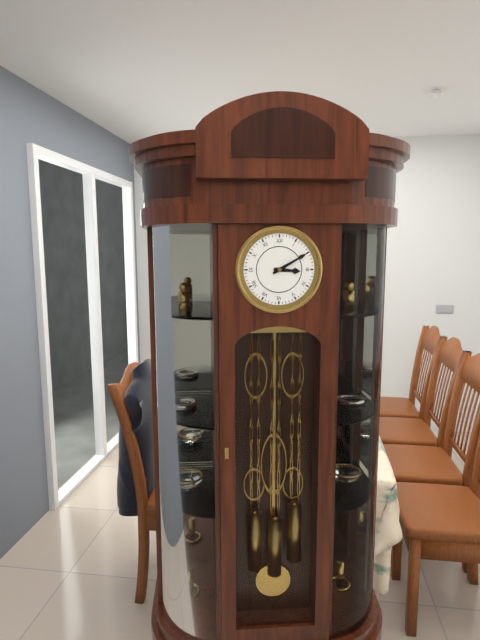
3:10
